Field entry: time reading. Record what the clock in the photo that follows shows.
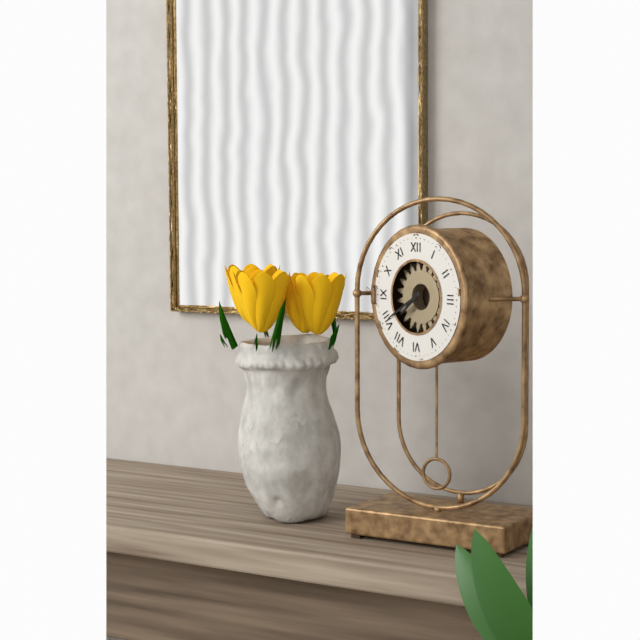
7:40
